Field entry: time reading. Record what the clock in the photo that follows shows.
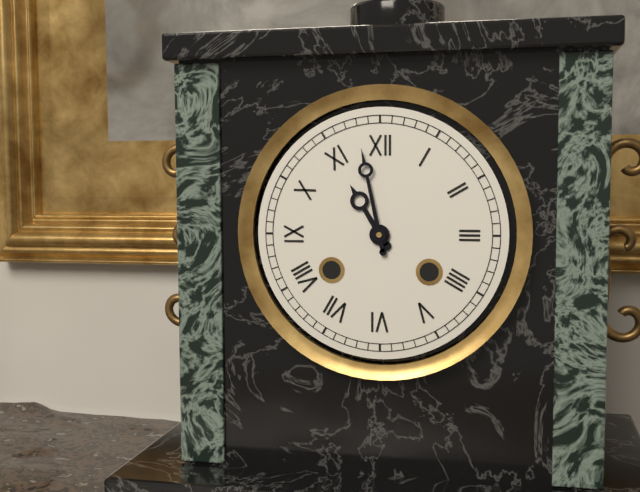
10:58
